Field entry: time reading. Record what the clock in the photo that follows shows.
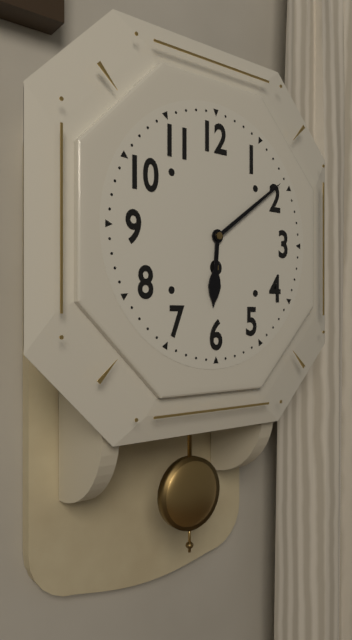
6:09
